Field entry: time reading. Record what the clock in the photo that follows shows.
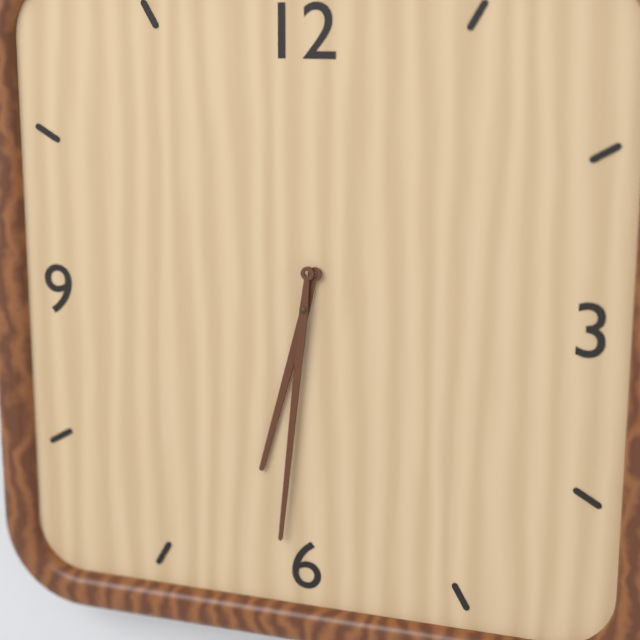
6:31
